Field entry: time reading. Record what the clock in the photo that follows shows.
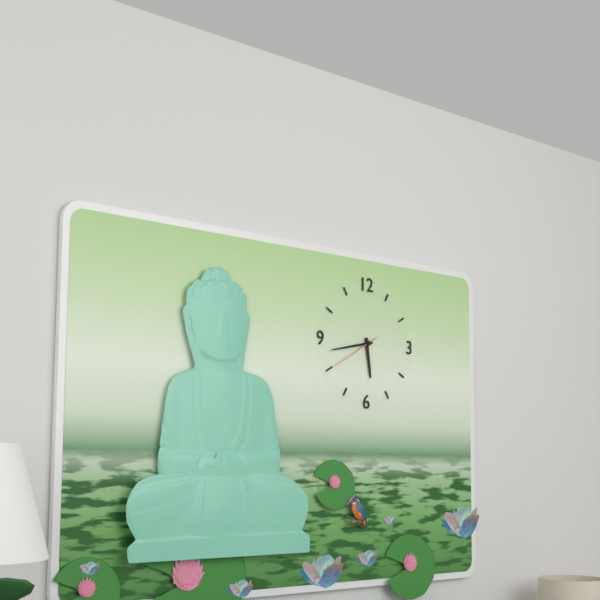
5:43:40
